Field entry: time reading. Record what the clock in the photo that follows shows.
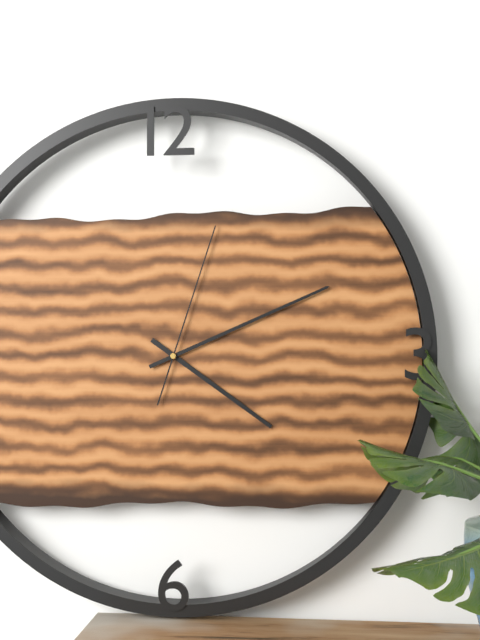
4:11:03
